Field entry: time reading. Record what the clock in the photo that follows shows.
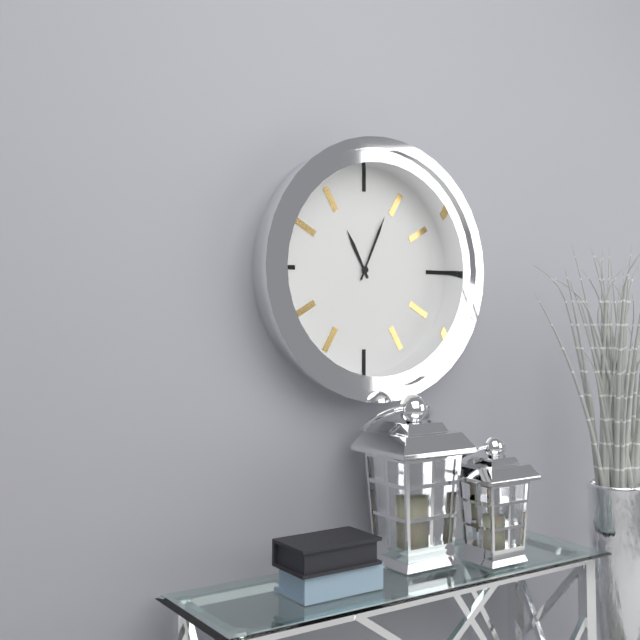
11:04
